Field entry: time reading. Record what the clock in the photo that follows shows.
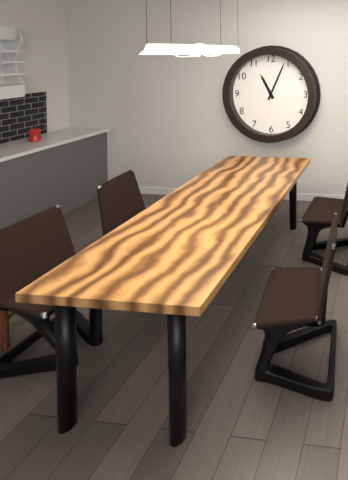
11:04
